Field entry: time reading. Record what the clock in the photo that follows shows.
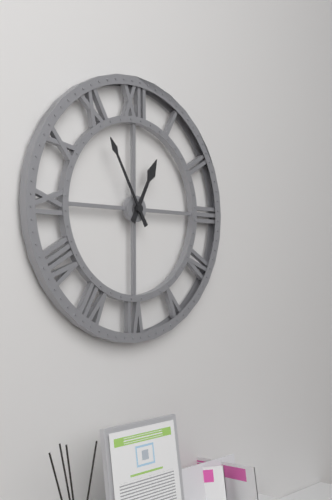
12:55
